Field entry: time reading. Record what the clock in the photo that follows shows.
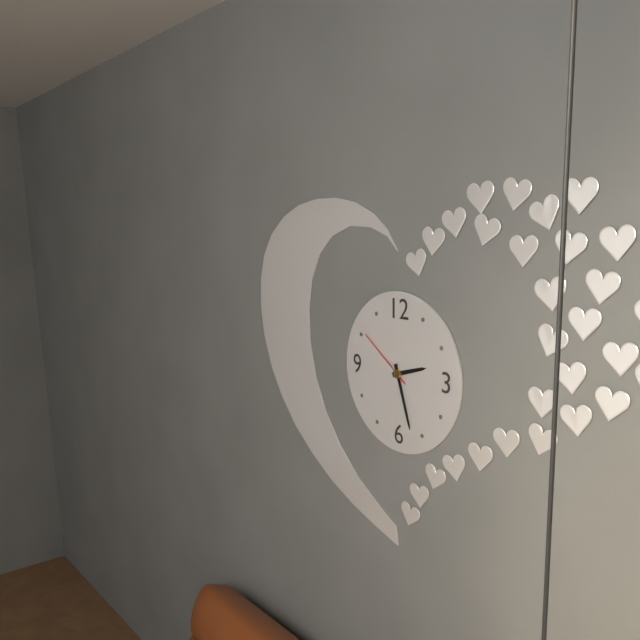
2:27:51
